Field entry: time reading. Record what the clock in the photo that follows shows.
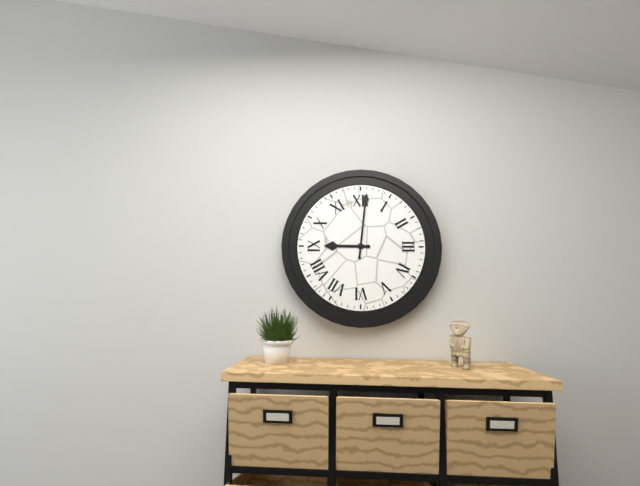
9:01
